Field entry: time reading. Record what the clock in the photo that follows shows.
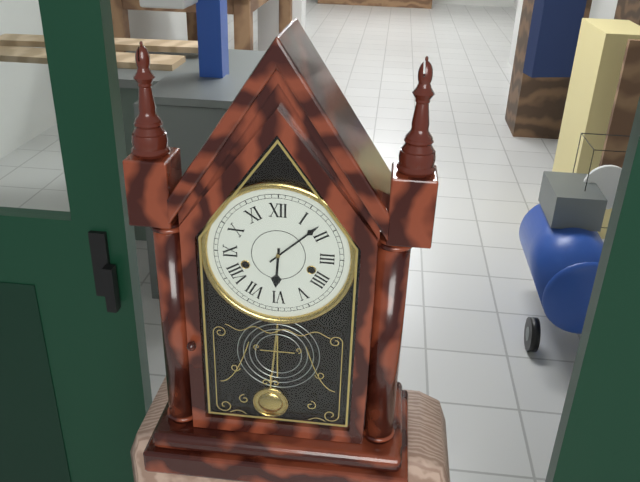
6:08
